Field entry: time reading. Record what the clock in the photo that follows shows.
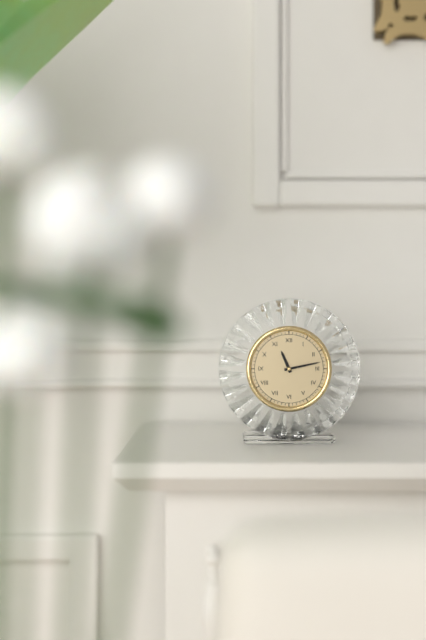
11:13
